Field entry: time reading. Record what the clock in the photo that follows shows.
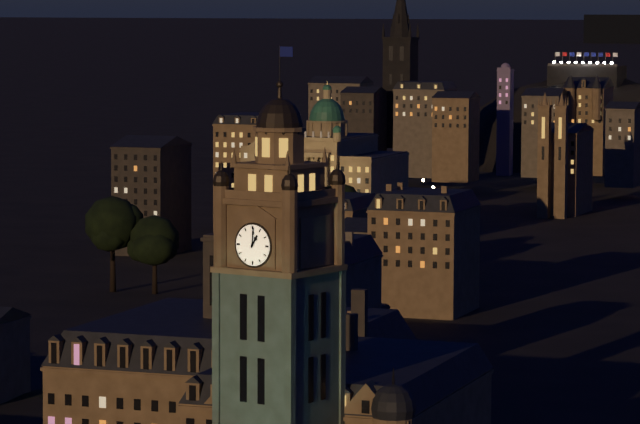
1:01
